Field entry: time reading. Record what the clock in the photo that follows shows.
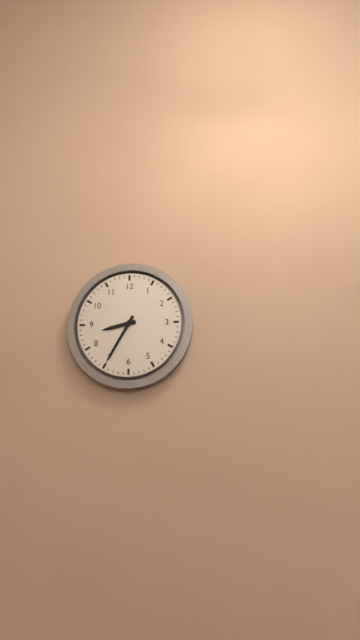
8:35
